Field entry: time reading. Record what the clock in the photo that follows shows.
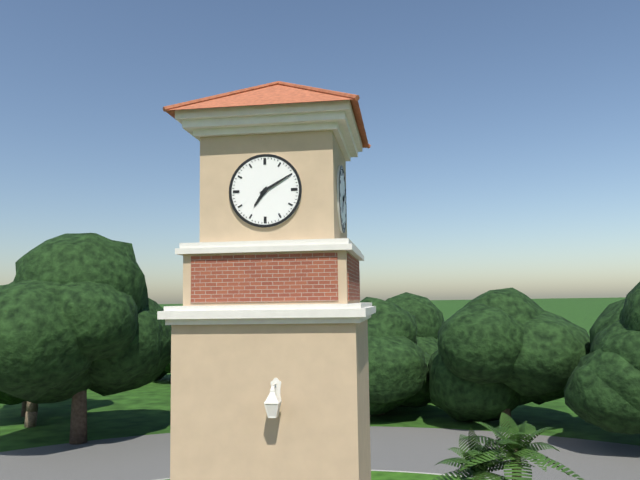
7:10
